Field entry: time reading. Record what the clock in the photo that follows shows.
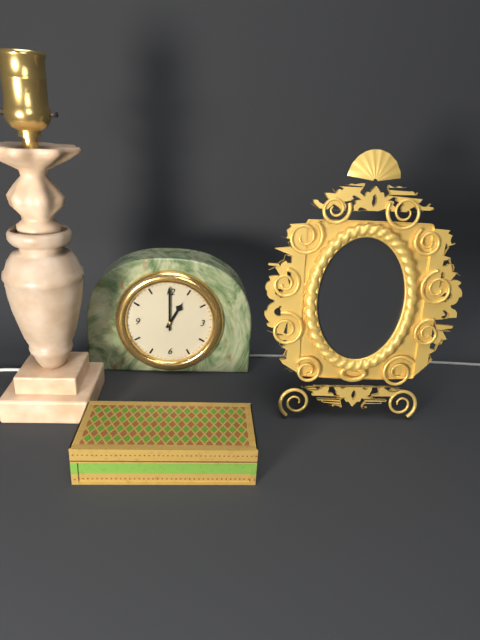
1:00
